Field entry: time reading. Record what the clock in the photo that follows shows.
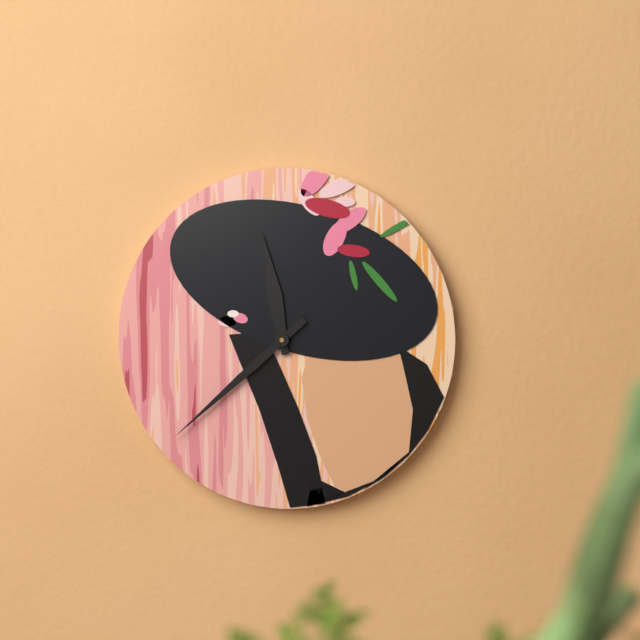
11:38
